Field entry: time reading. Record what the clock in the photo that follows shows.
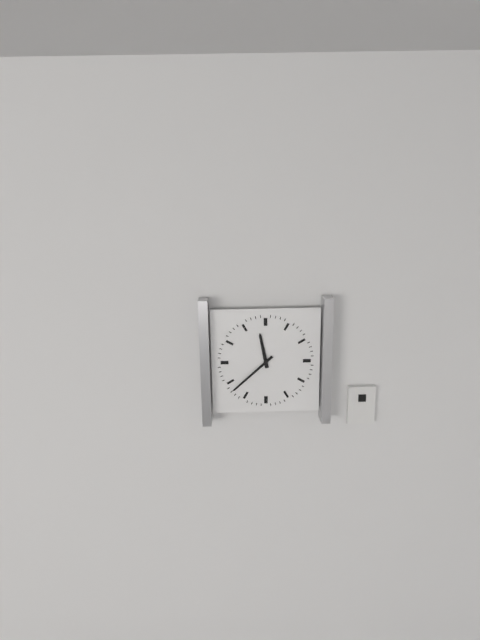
11:38
